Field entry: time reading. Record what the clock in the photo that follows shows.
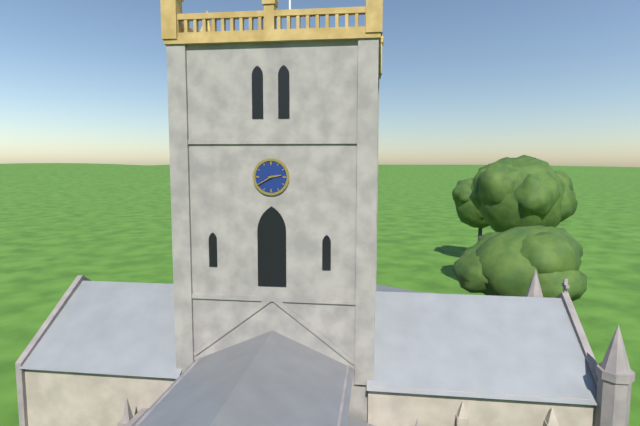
2:40
